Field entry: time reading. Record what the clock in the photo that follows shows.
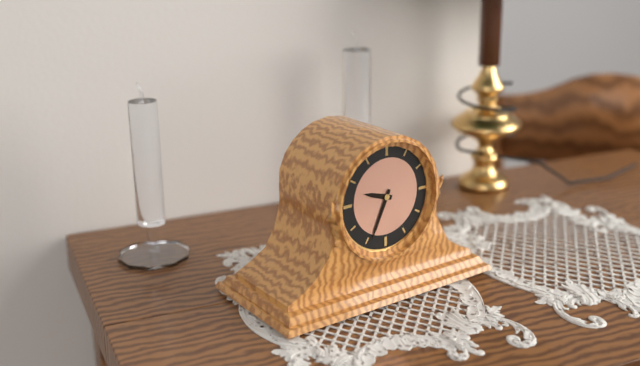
9:34
